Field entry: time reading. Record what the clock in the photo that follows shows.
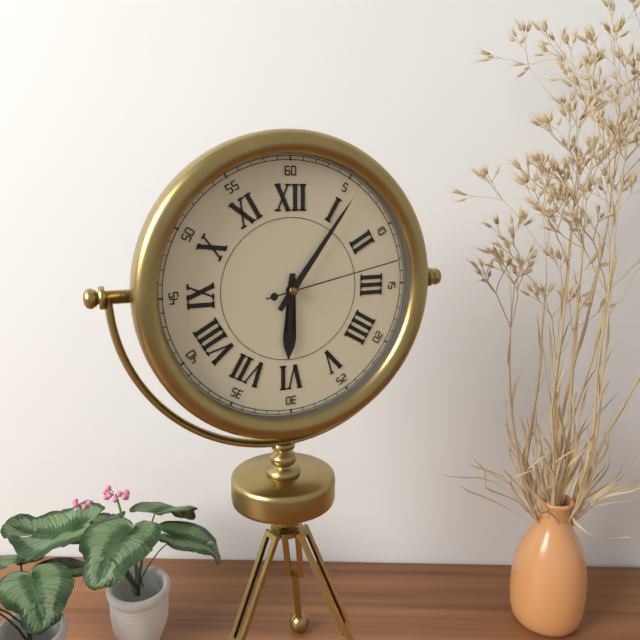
6:06:13
